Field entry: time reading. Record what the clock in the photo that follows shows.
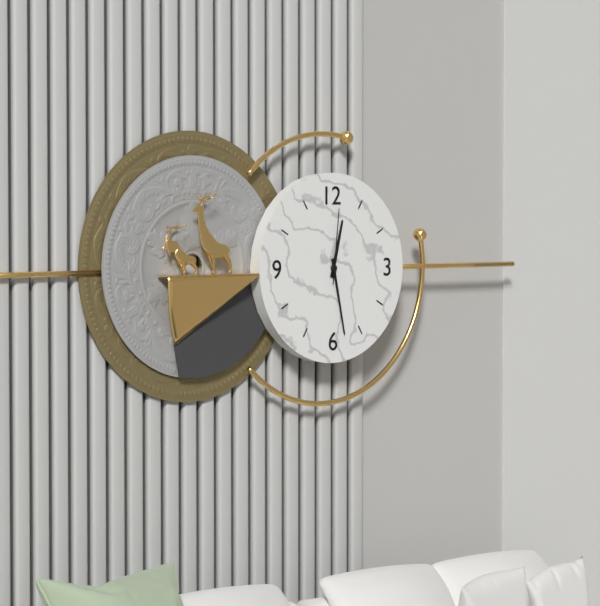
12:28:01
